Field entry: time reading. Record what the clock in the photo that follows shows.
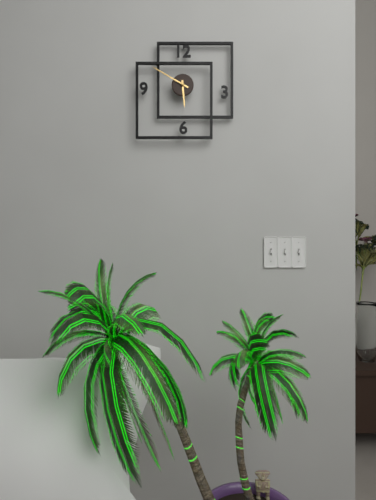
5:50
